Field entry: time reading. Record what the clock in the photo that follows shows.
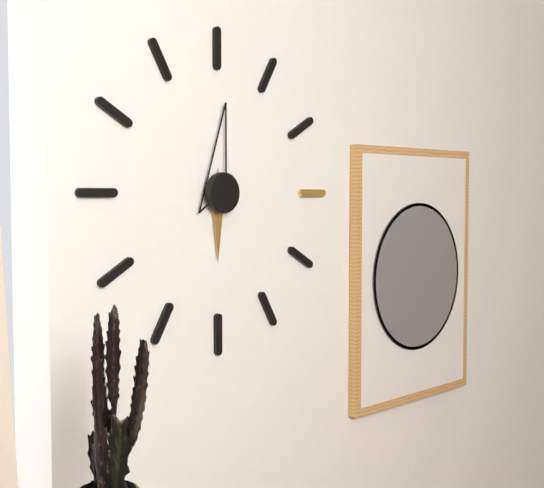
6:01
